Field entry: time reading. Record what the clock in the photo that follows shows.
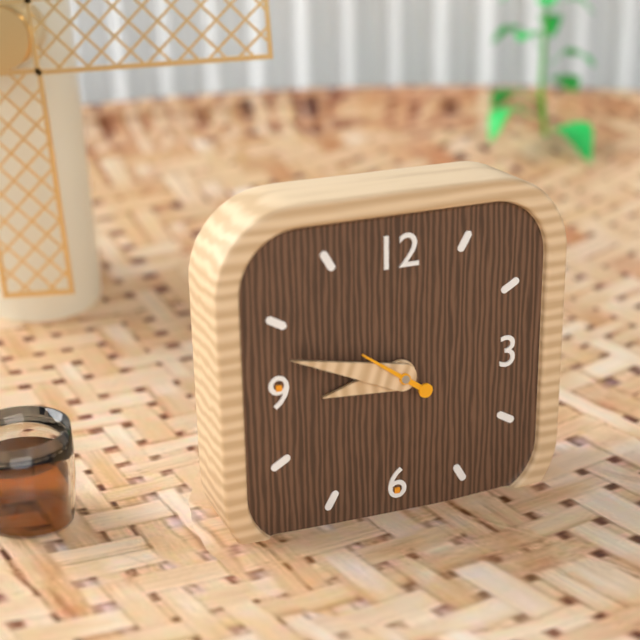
8:48
